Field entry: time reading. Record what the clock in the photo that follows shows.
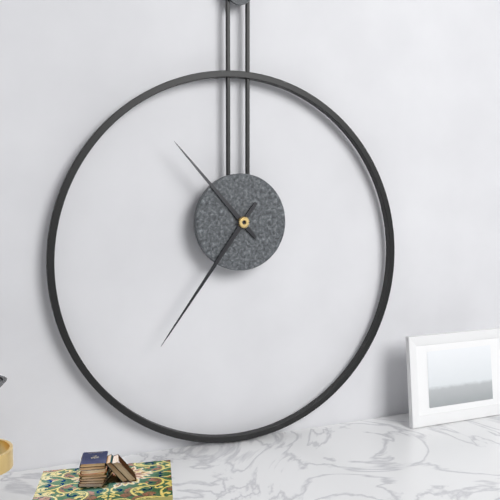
10:36
